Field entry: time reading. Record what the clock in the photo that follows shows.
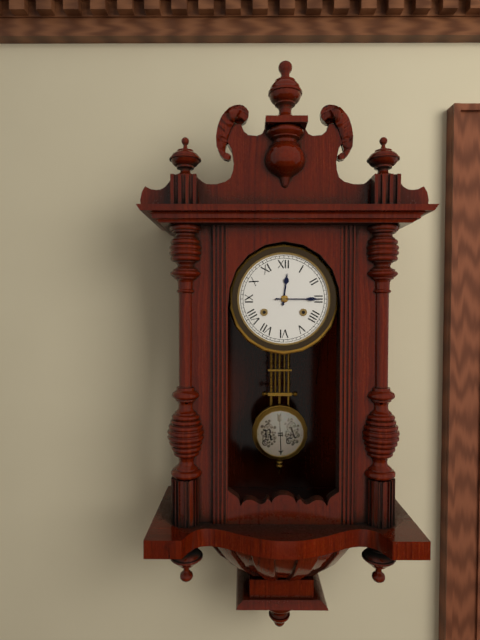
12:15
